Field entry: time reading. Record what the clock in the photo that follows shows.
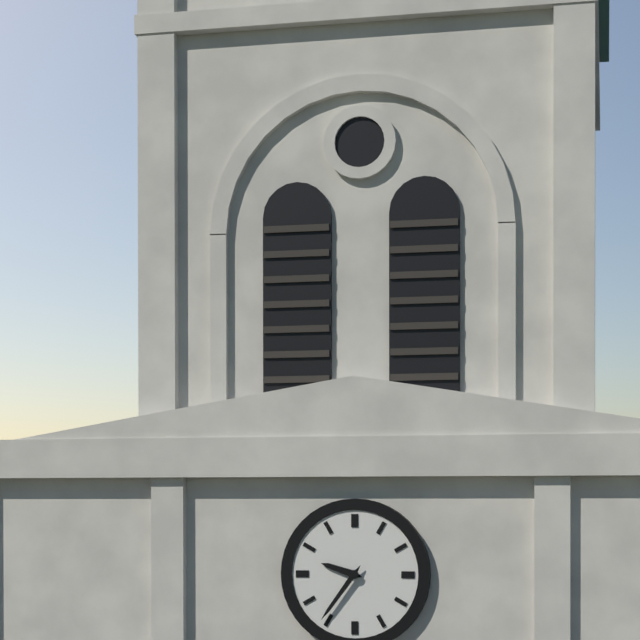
9:36
